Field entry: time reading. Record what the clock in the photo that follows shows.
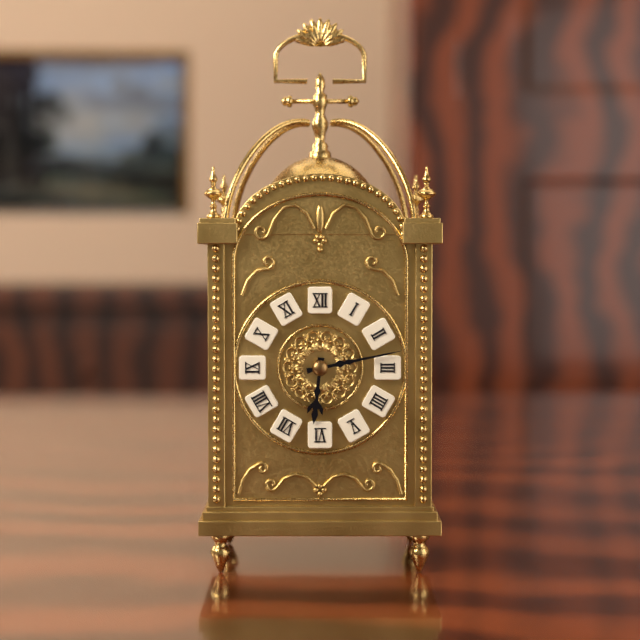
6:13
